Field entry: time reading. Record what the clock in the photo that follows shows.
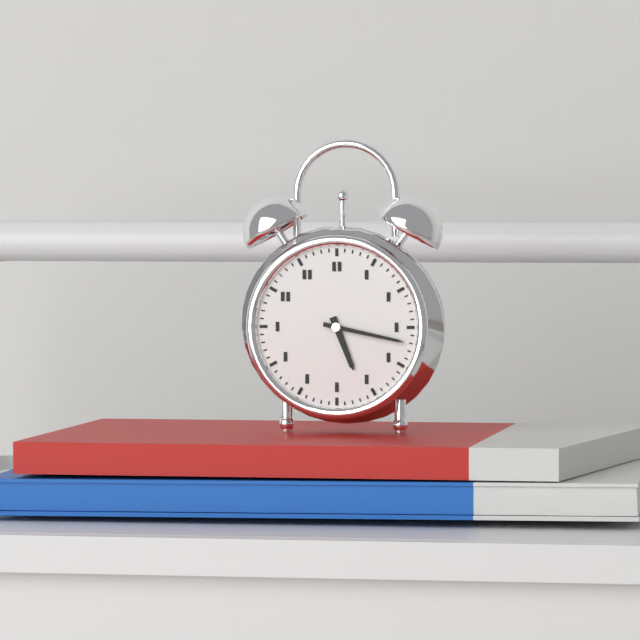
5:17
